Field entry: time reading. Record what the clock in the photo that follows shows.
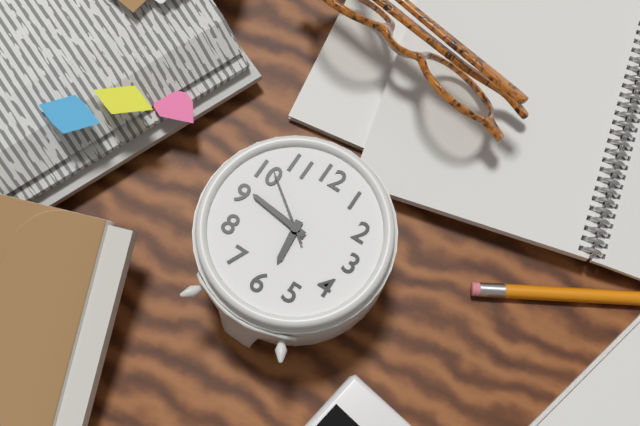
5:46:51
